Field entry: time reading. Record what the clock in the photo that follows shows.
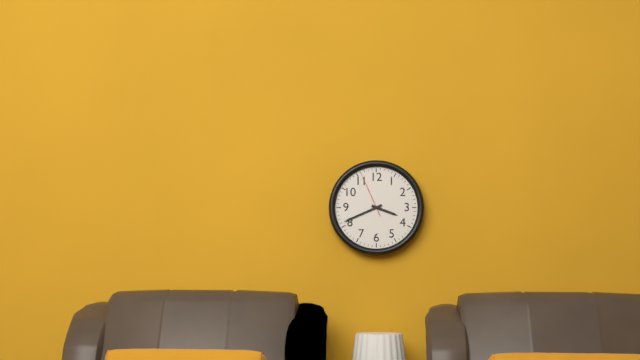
3:41
